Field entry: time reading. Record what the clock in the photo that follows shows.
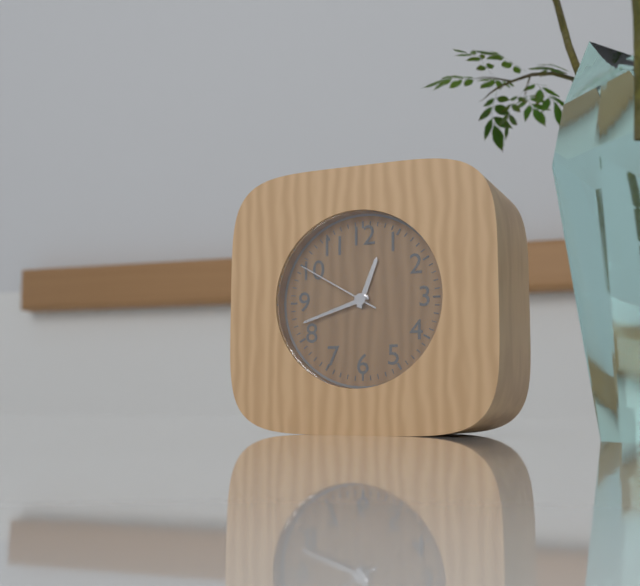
12:42:50
